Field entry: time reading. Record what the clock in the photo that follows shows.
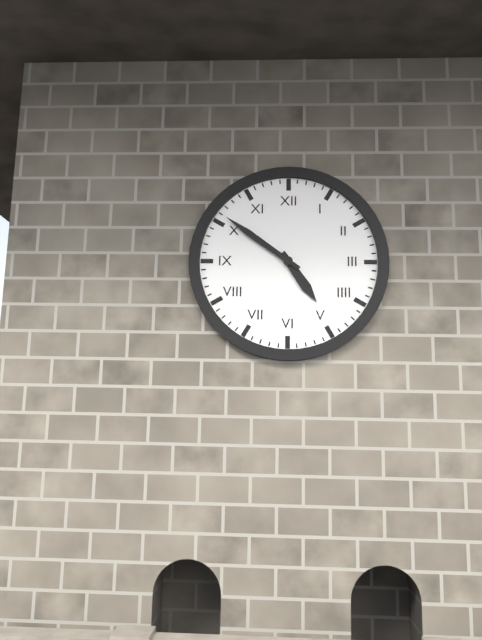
4:51
